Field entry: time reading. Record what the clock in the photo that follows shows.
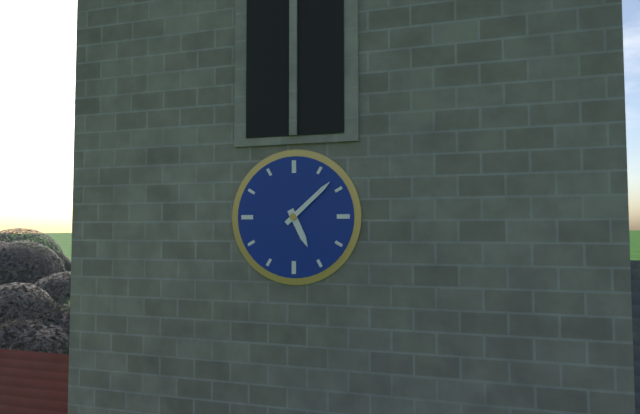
5:08
